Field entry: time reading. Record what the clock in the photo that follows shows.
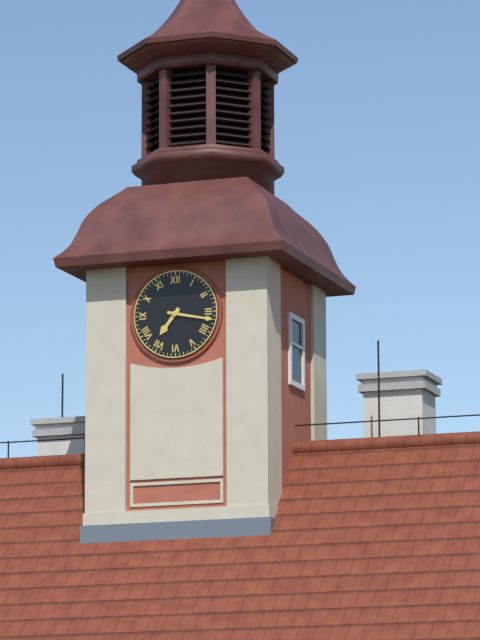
7:17
